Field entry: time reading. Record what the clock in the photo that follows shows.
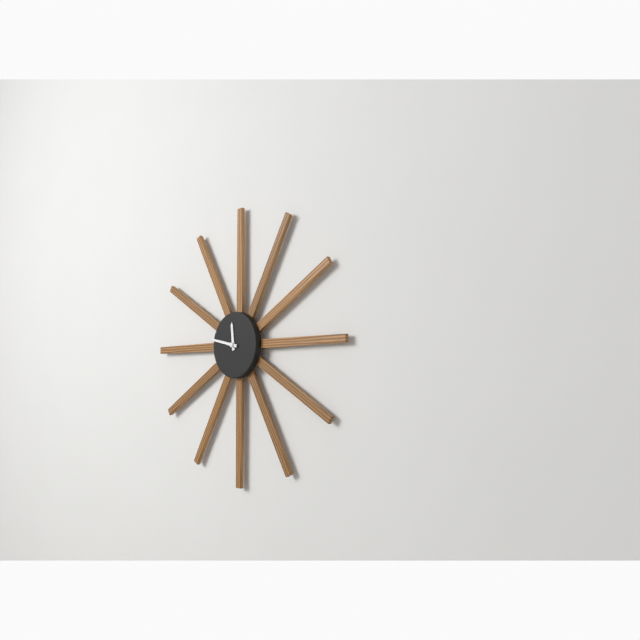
11:47
